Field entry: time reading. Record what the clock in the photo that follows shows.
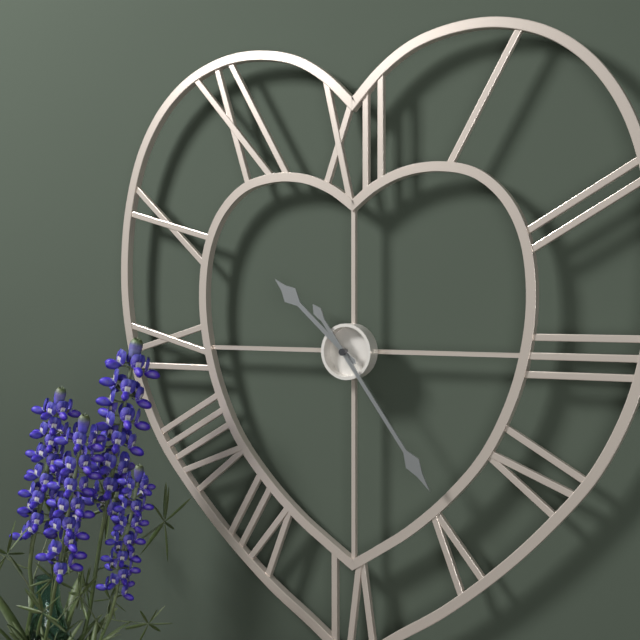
10:24
